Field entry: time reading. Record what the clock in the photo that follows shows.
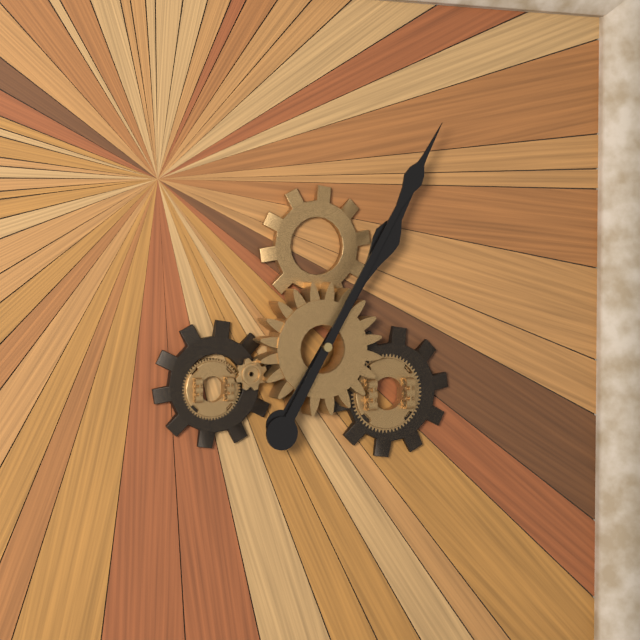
1:05
